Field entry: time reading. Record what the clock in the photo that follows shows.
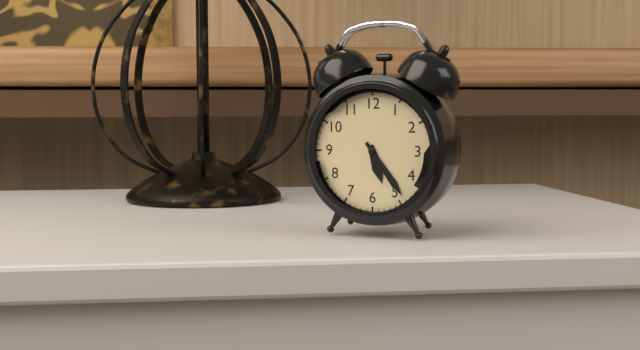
5:24
